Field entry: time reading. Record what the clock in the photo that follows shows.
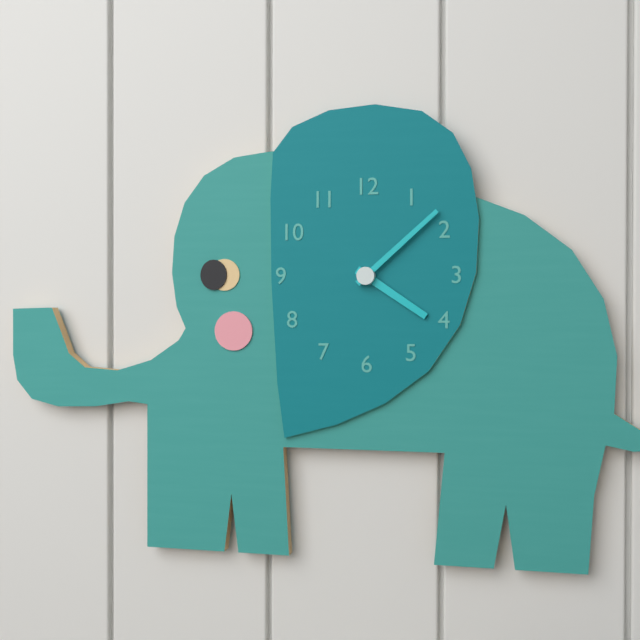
4:08
